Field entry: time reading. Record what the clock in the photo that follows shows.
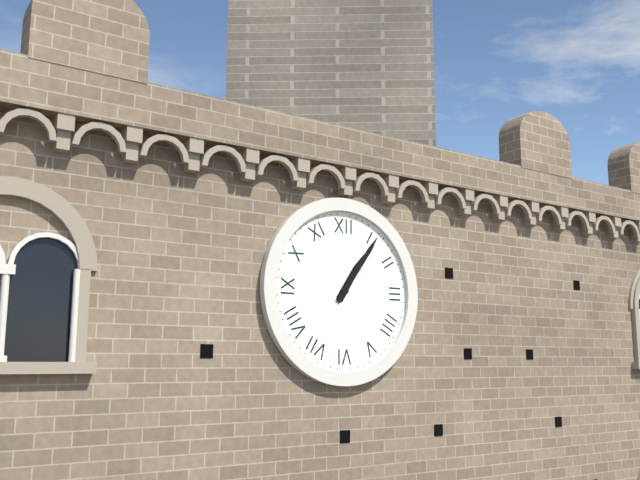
1:06
